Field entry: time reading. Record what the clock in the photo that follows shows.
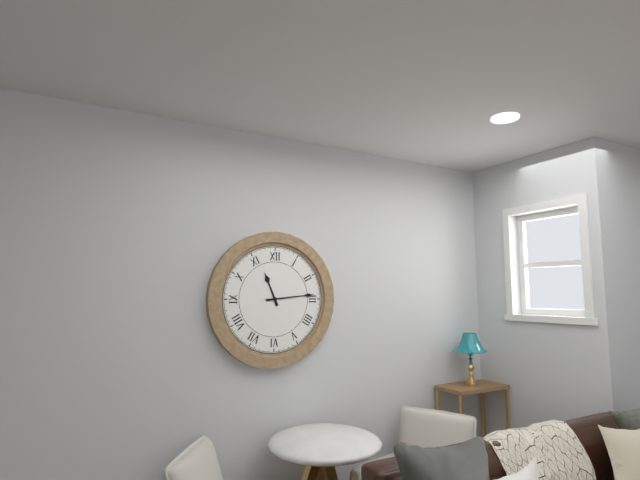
11:14
